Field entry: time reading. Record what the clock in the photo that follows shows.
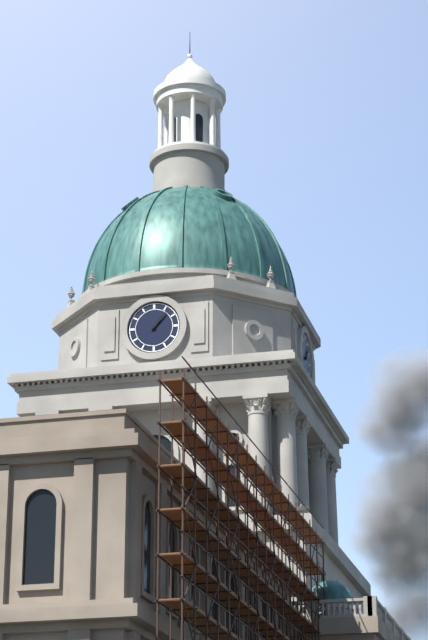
1:07
